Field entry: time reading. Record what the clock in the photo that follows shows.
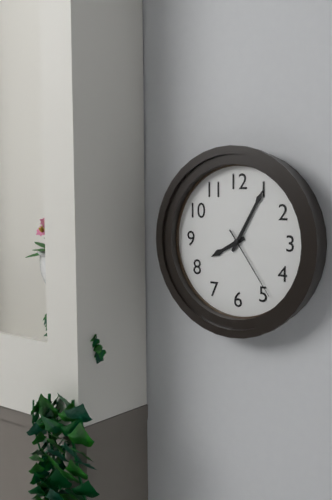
8:05:24
